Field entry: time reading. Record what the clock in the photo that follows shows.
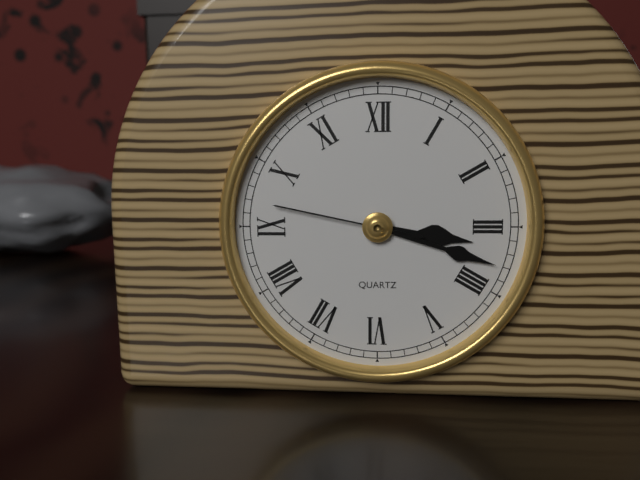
3:18:47
